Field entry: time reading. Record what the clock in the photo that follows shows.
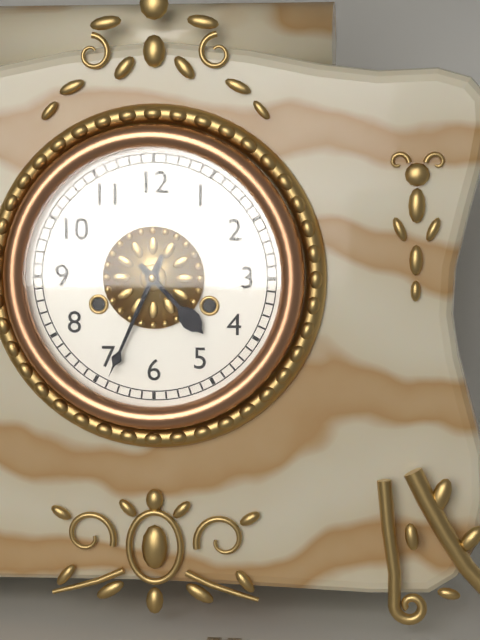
4:34
